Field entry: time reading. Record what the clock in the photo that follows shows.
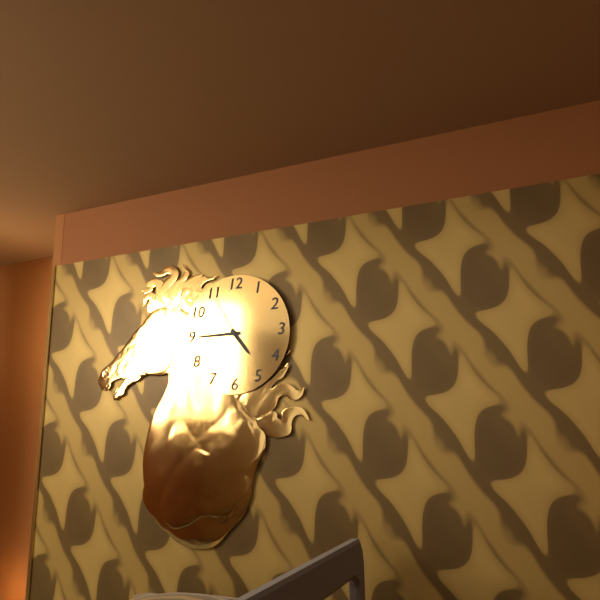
4:45:55
